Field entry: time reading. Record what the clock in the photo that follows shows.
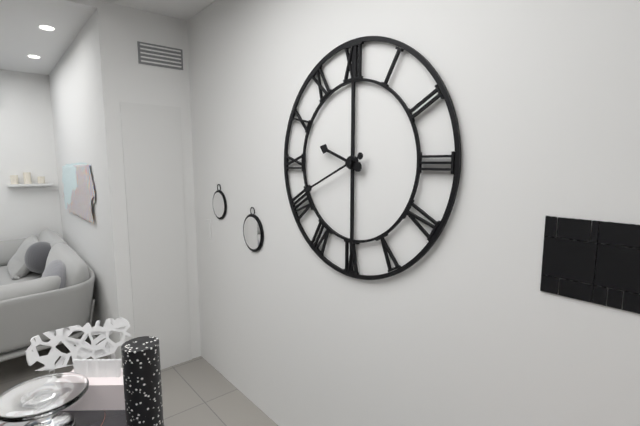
9:41
